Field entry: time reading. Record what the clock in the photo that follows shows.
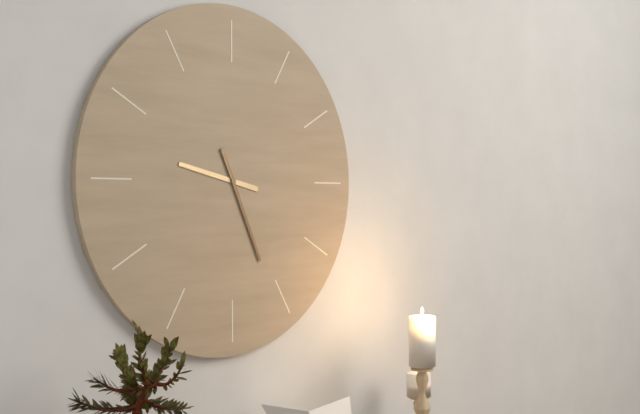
9:26
